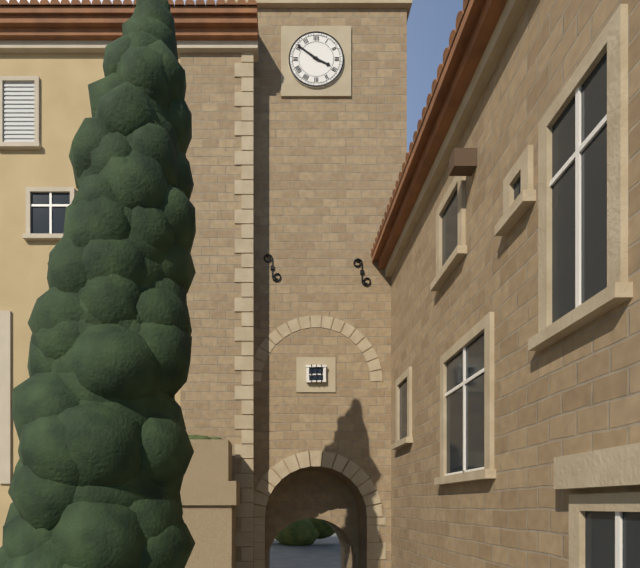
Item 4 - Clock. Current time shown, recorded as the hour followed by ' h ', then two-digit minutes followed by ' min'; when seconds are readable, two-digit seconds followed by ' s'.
3 h 51 min
